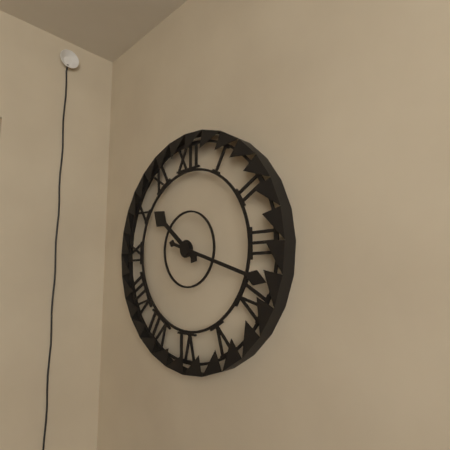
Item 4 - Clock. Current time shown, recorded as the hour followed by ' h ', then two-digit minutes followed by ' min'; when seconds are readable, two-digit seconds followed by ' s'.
10 h 18 min
